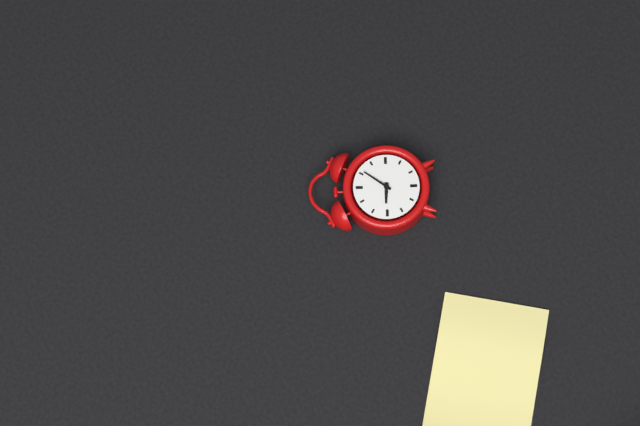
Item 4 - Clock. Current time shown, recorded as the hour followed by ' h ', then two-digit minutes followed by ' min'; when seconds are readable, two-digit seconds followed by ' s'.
9 h 06 min
